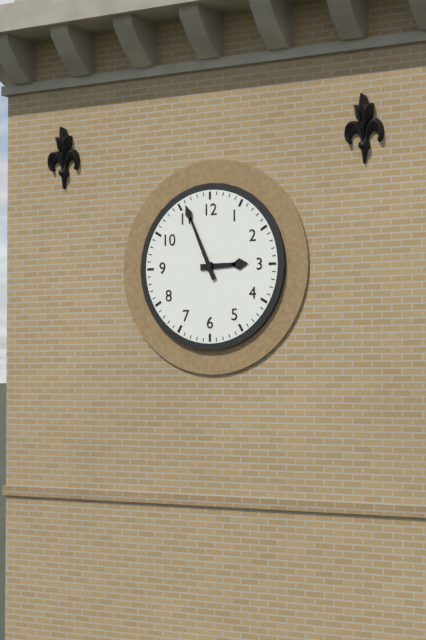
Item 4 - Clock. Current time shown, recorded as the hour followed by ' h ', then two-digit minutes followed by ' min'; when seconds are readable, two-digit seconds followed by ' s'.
2 h 56 min
